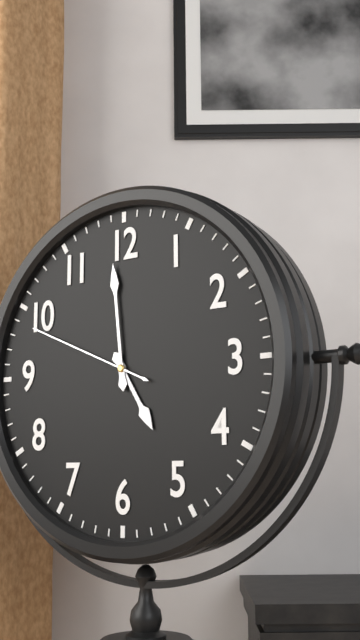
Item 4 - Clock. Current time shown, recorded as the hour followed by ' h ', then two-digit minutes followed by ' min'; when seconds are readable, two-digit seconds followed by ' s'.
4 h 59 min 49 s
